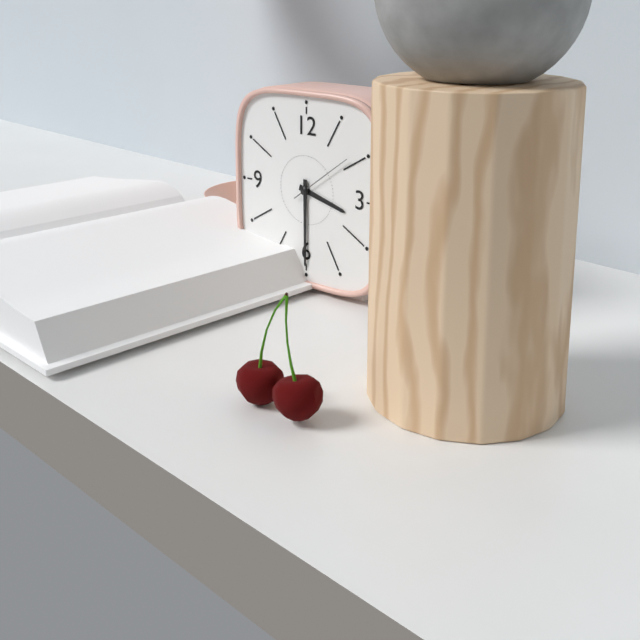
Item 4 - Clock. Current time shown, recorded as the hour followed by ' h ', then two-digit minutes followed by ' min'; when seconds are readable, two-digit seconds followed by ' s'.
3 h 30 min 09 s
